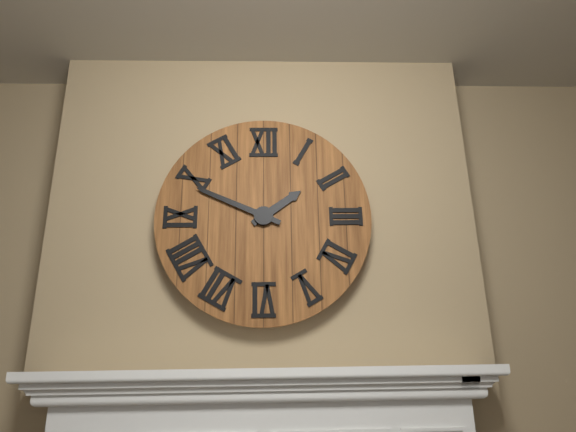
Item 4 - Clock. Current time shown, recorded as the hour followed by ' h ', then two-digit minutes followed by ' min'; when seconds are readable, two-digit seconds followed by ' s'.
1 h 49 min
